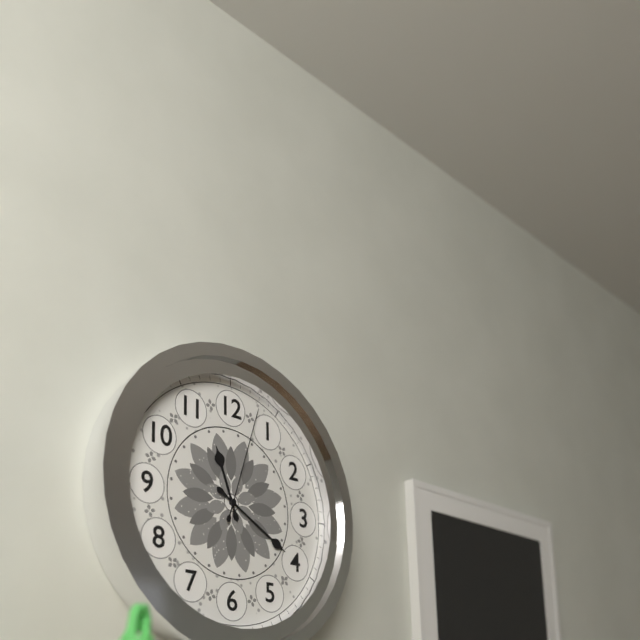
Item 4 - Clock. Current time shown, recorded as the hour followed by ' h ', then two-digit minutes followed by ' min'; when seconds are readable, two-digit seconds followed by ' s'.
11 h 20 min 03 s
